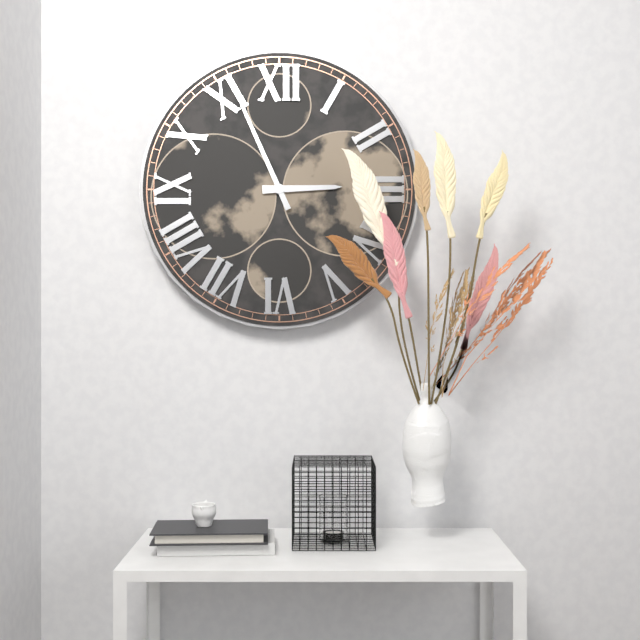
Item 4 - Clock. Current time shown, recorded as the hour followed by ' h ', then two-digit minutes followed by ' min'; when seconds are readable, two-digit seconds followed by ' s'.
2 h 56 min
